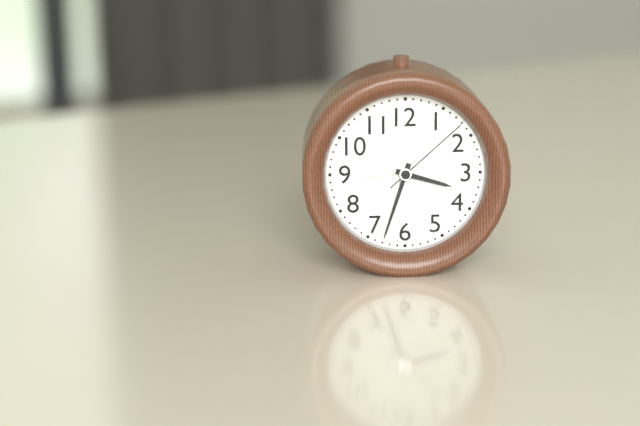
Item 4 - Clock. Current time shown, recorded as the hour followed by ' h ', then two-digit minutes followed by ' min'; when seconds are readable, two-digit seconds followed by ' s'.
3 h 33 min 08 s
